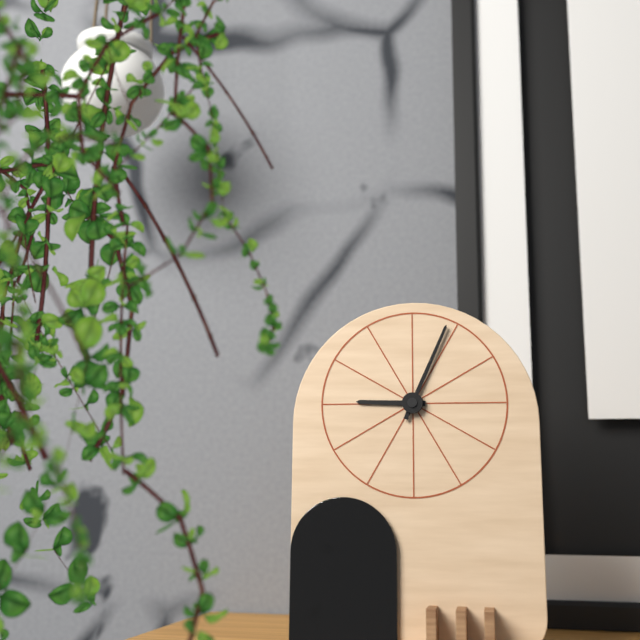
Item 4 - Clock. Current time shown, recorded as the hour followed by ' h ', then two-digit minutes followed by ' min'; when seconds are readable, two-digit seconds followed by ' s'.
9 h 04 min
